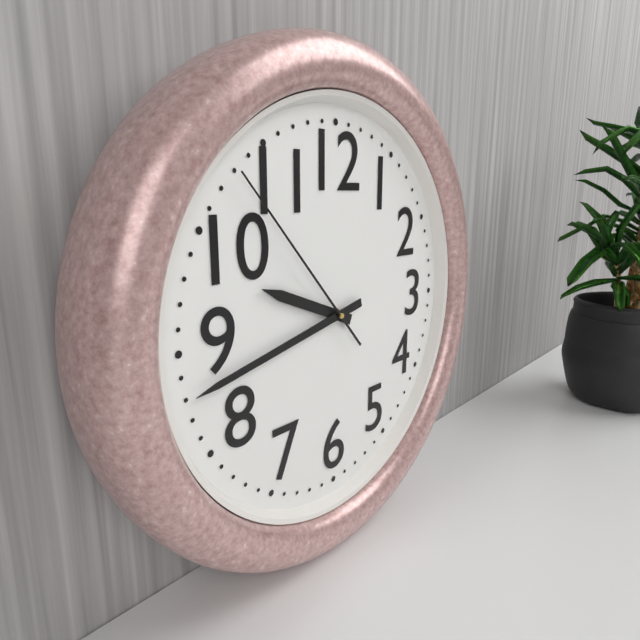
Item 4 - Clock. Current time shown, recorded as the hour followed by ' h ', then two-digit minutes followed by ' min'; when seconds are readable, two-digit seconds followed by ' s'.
9 h 43 min 53 s
